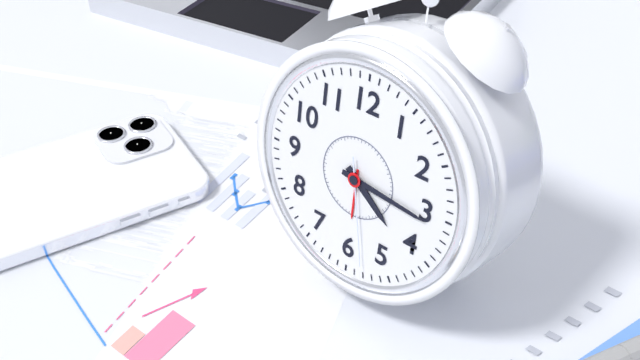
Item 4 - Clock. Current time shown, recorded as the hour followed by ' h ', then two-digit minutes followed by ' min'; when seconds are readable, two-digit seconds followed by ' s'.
4 h 16 min 28 s
